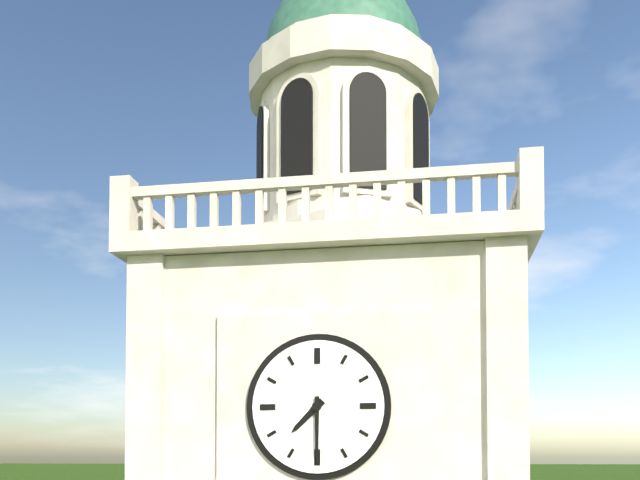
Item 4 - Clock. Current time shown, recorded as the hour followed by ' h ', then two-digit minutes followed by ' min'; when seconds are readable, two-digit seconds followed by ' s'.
7 h 30 min
